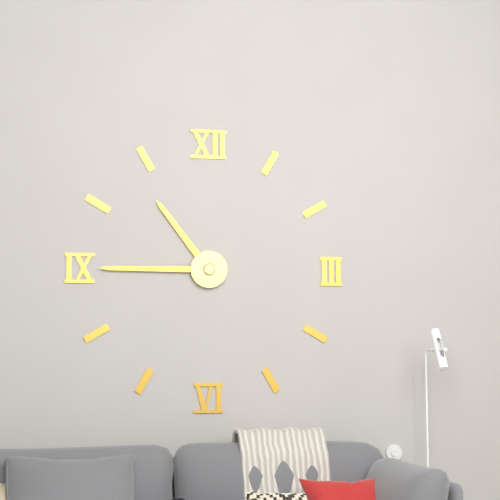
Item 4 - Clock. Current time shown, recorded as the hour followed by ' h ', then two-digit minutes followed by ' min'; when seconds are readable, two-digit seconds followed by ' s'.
10 h 45 min
